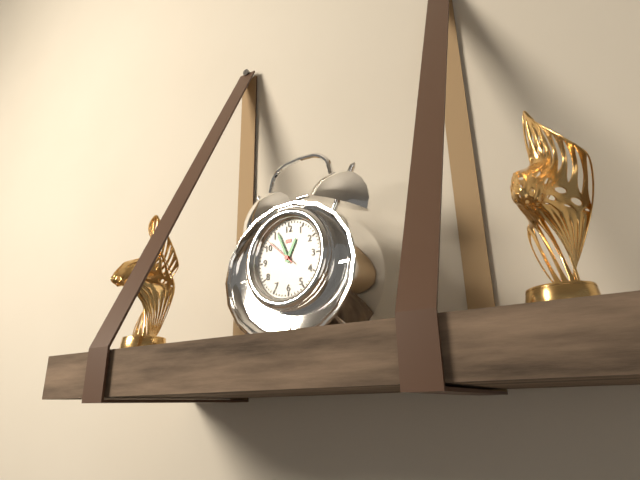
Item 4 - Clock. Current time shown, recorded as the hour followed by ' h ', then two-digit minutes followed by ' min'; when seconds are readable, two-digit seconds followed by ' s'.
12 h 56 min
